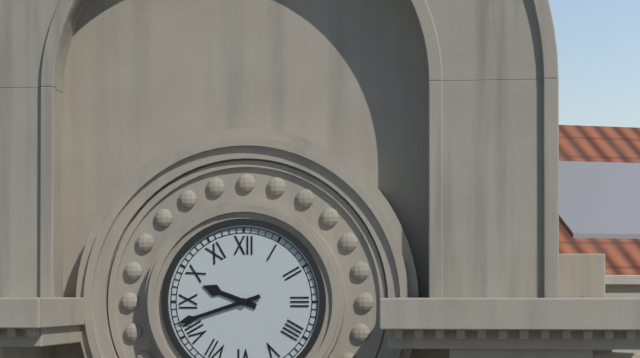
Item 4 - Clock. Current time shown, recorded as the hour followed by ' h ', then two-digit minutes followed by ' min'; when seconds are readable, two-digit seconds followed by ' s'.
9 h 42 min
